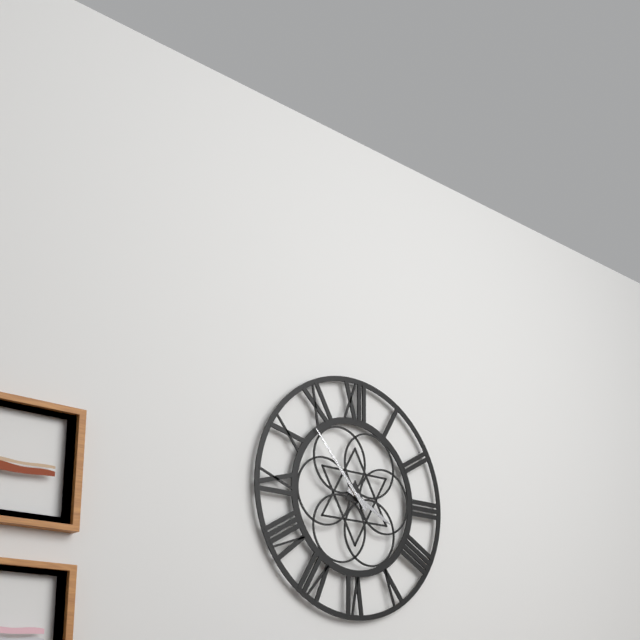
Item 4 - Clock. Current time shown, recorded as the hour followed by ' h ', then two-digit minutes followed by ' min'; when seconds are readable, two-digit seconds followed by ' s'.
3 h 53 min
